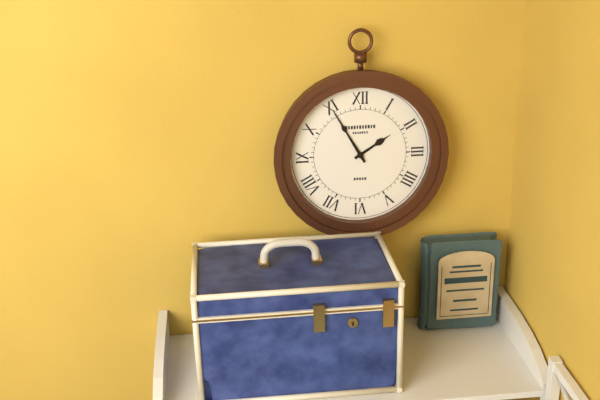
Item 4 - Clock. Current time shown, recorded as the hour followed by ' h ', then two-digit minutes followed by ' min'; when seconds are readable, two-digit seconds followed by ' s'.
1 h 55 min
